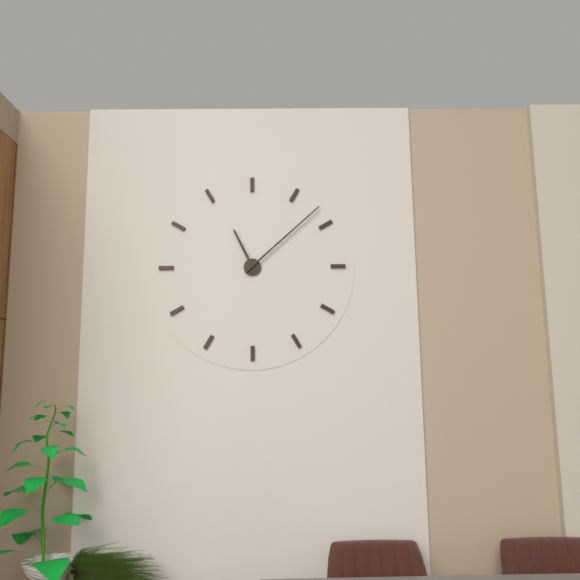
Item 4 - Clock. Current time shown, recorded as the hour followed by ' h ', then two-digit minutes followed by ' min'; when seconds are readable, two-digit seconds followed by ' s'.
11 h 08 min
